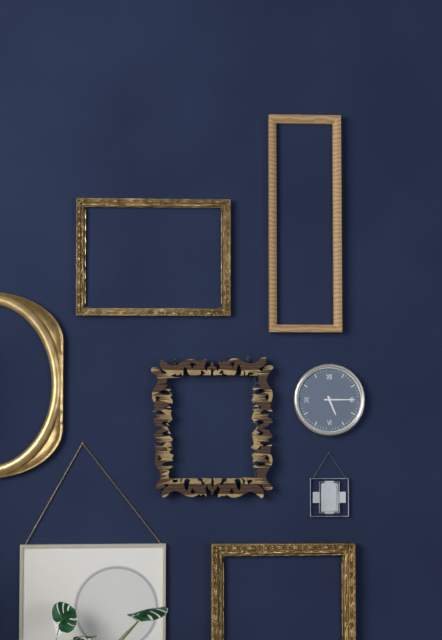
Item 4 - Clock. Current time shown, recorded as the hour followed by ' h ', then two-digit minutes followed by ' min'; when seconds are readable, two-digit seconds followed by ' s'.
5 h 15 min
